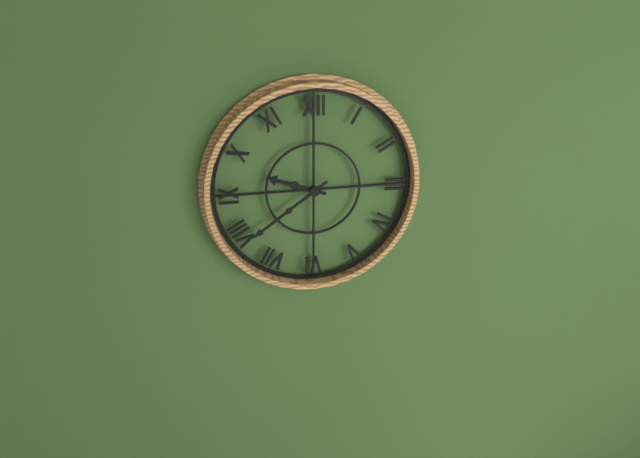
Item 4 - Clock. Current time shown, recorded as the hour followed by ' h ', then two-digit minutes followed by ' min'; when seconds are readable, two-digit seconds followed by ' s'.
9 h 39 min
